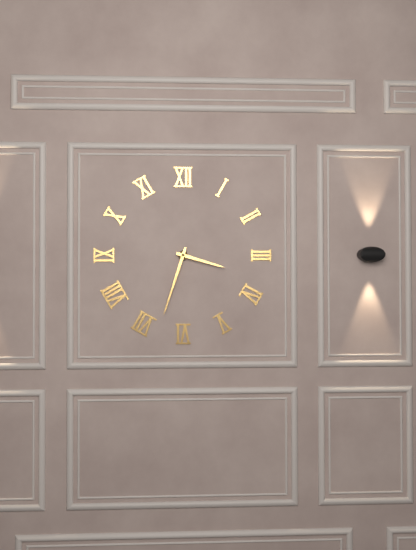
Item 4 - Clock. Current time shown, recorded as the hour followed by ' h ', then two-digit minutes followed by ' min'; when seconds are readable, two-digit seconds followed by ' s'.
3 h 33 min
